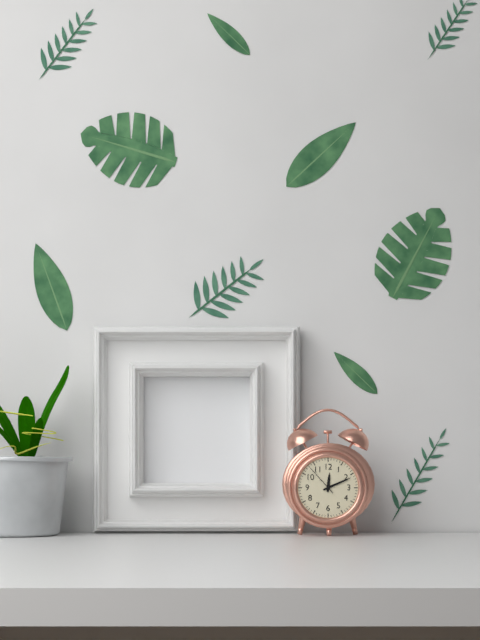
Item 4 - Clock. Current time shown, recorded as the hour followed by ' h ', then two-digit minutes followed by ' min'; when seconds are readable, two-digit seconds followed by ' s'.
12 h 11 min
